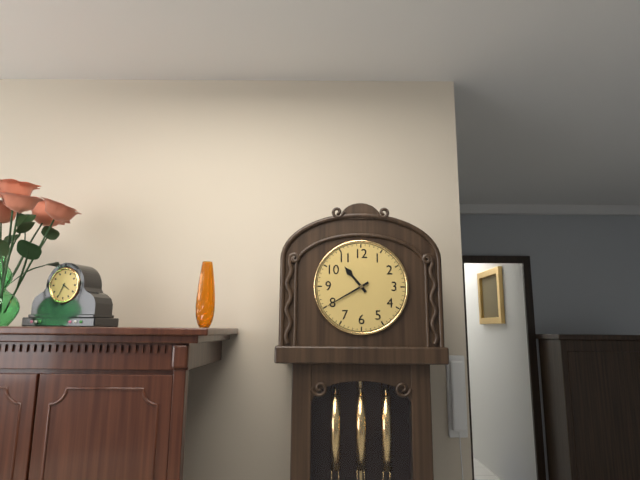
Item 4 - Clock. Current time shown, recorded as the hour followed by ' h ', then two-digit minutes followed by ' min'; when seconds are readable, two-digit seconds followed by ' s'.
10 h 40 min
